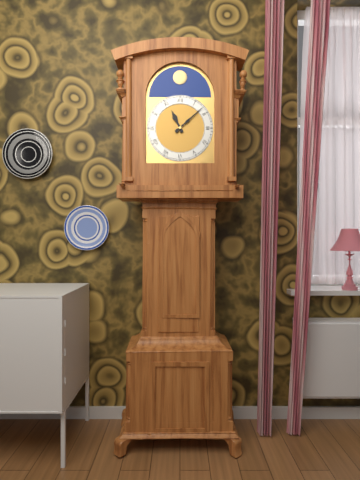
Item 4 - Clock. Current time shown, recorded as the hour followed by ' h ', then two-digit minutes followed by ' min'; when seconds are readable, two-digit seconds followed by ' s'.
11 h 08 min
